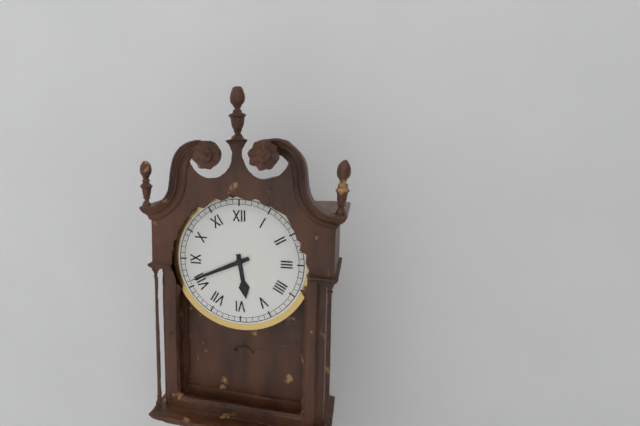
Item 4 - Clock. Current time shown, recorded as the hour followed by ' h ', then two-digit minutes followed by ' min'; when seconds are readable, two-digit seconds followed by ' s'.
5 h 41 min
